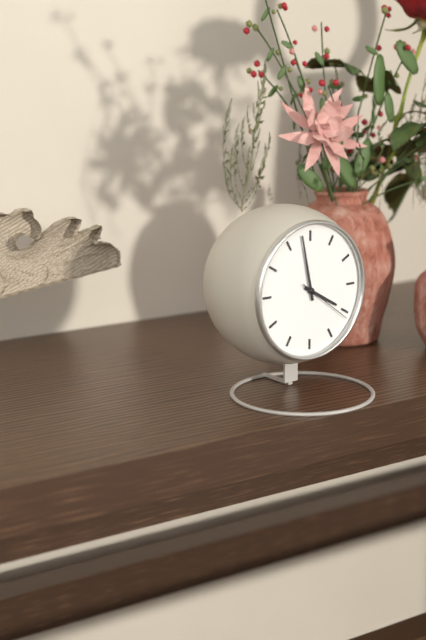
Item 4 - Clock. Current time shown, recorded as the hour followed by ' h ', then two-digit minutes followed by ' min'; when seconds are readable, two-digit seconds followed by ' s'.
3 h 58 min 21 s
